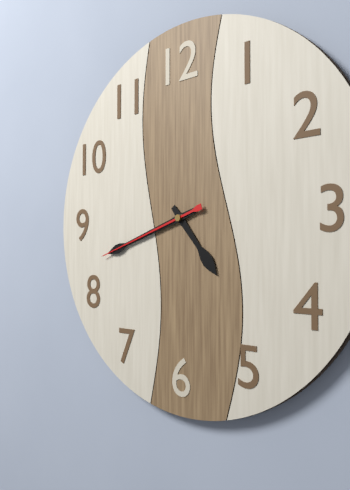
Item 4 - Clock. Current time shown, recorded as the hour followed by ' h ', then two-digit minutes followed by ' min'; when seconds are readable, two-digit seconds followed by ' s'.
4 h 42 min 42 s
